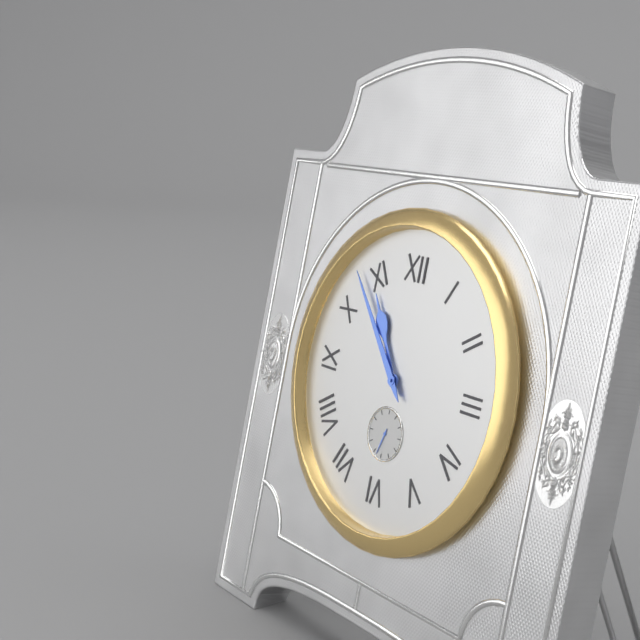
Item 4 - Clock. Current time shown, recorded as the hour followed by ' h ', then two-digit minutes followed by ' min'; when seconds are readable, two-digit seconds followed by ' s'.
10 h 53 min
